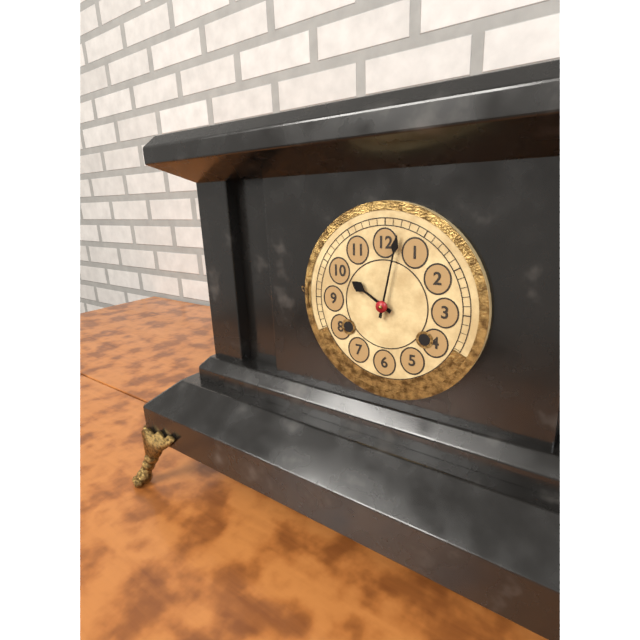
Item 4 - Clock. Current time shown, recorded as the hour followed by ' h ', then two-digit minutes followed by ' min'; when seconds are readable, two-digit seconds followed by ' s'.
10 h 02 min
